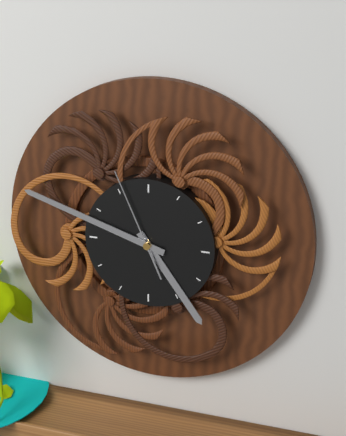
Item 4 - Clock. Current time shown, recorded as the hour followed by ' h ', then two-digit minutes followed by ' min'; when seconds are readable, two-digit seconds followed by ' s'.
4 h 48 min 56 s
